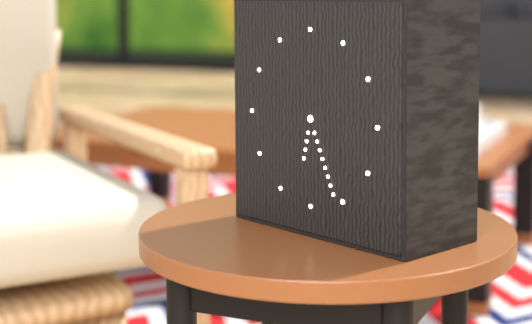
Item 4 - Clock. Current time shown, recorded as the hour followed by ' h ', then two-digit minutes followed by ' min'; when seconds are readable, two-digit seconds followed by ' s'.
6 h 26 min
